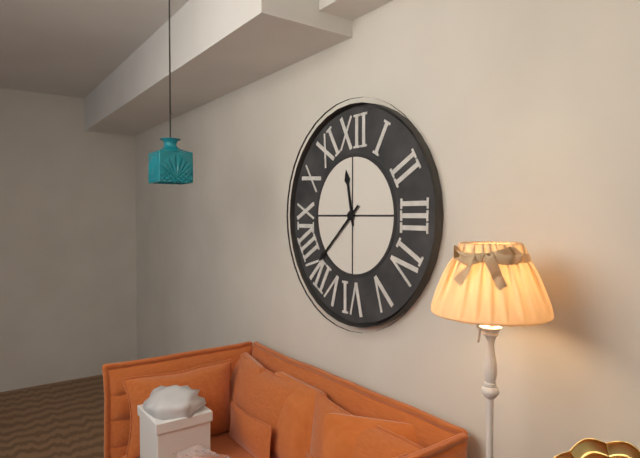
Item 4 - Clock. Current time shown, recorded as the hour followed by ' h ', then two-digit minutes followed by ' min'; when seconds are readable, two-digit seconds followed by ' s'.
11 h 38 min
